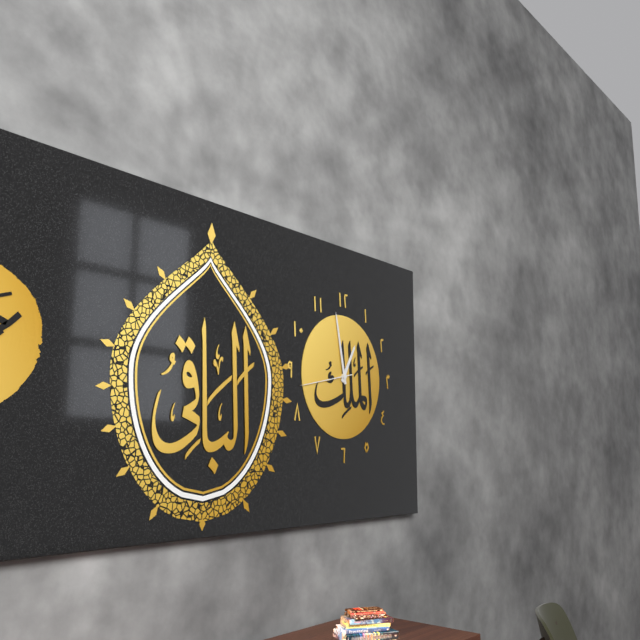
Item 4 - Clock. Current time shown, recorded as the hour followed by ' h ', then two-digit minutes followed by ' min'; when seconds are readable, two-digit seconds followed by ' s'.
12 h 58 min 43 s
